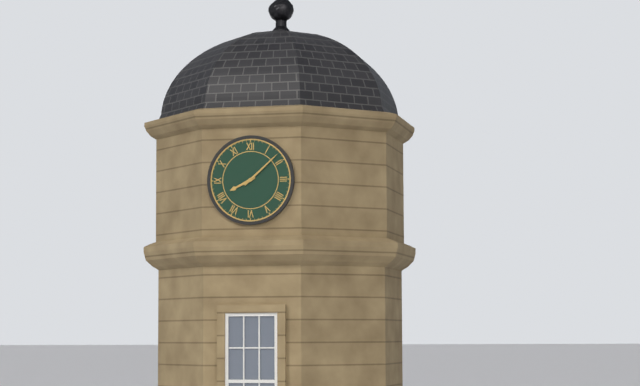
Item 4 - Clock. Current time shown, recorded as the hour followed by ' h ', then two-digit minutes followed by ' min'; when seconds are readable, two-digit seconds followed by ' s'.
8 h 08 min
